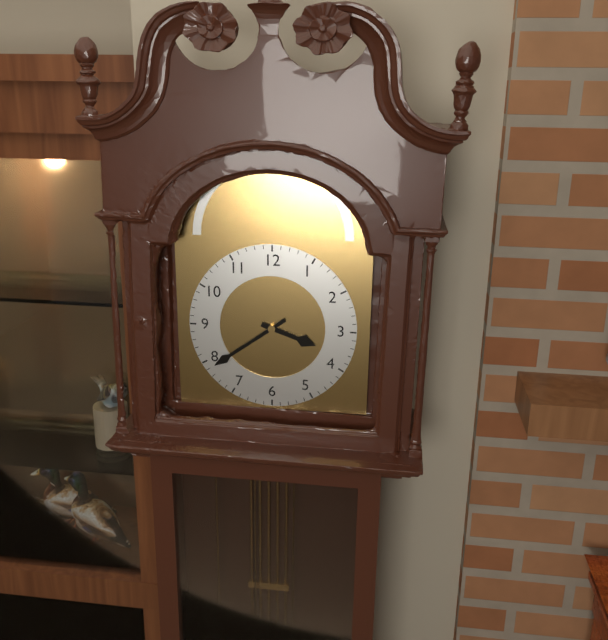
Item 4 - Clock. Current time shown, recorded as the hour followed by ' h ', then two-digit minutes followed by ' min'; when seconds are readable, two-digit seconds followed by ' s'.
3 h 39 min
